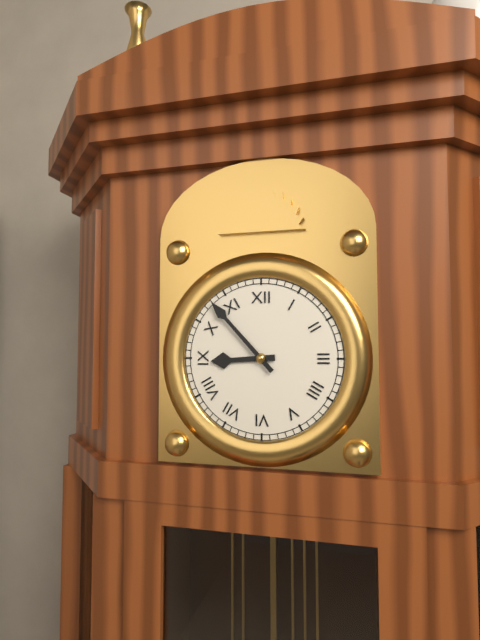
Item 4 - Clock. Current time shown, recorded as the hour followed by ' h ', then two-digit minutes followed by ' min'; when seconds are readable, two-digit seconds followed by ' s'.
8 h 53 min
